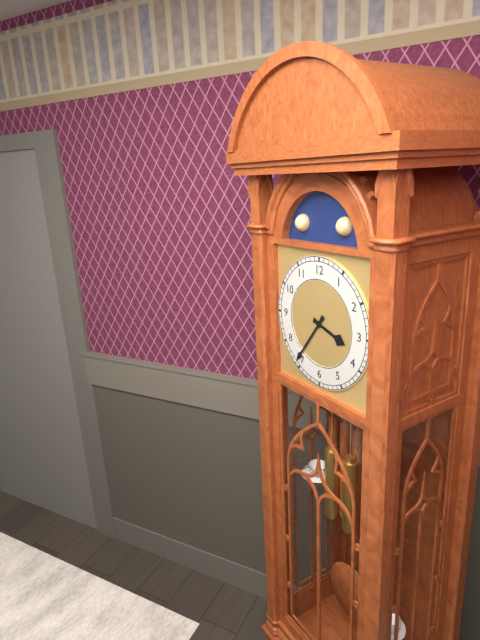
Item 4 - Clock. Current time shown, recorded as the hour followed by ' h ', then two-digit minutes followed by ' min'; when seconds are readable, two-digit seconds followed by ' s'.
3 h 36 min
